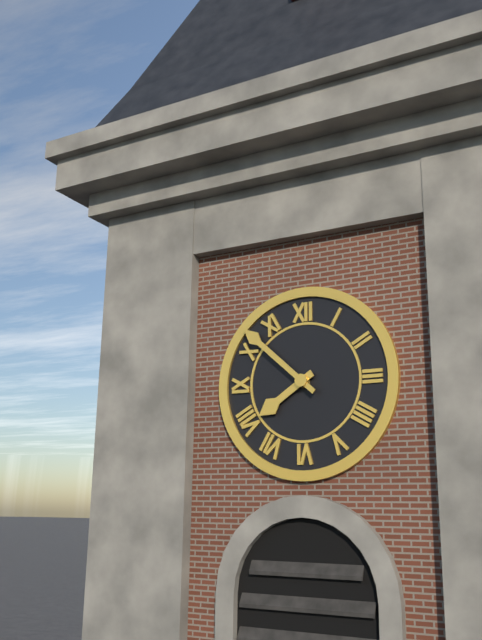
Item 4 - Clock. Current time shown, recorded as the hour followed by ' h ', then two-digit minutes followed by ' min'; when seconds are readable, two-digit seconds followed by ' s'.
7 h 52 min
